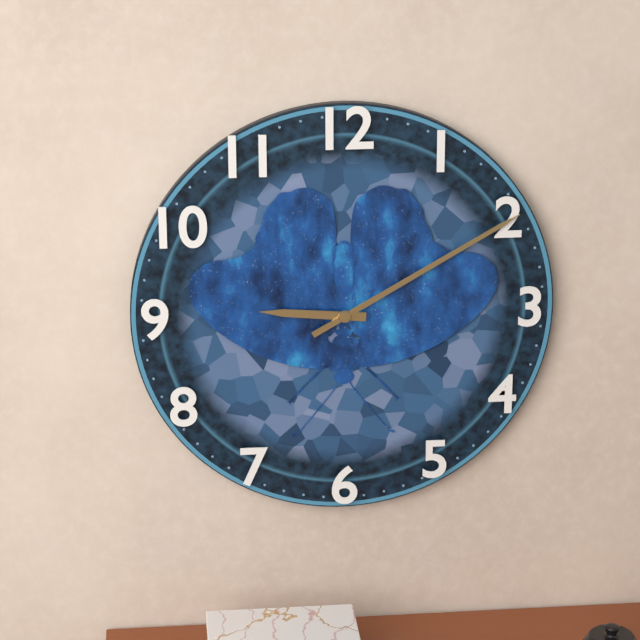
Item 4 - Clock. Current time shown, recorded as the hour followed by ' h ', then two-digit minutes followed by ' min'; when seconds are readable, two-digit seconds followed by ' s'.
9 h 10 min
